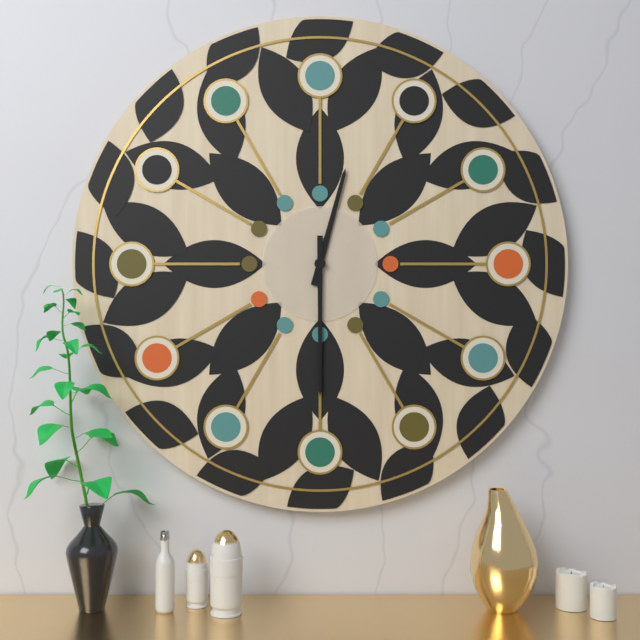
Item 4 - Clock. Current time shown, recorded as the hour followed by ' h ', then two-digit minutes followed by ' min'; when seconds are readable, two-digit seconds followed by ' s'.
12 h 30 min
